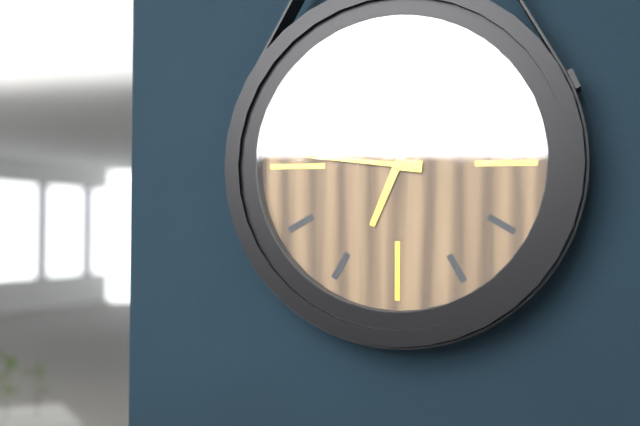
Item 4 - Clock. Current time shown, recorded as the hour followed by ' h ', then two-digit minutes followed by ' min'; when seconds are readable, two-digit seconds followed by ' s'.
6 h 46 min
